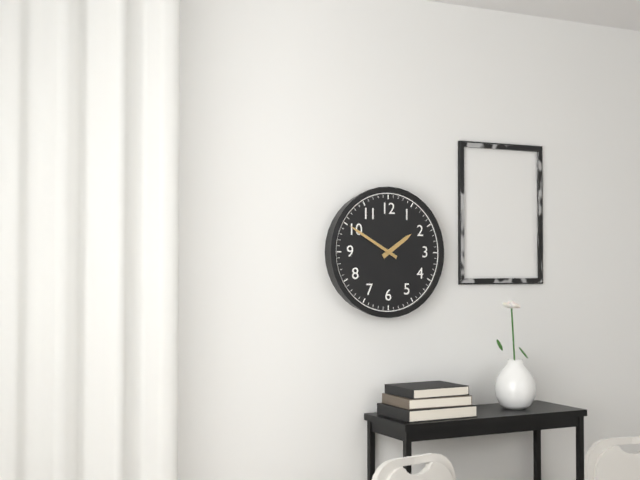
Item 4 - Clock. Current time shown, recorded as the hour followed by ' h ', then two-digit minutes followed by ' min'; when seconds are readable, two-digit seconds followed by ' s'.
1 h 50 min
